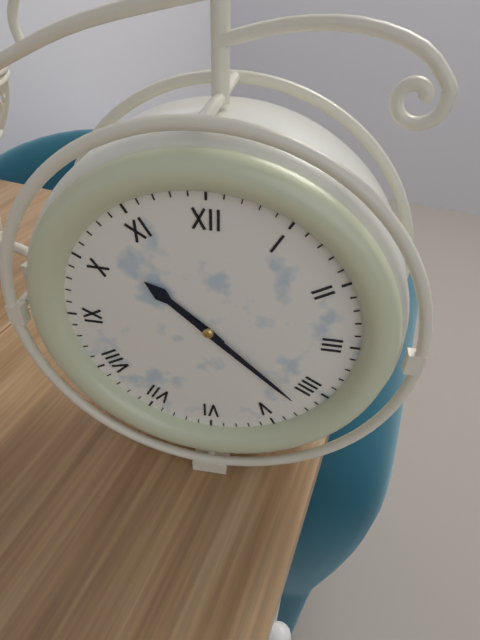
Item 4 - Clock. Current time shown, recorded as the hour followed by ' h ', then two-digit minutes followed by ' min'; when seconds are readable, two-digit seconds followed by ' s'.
10 h 22 min
